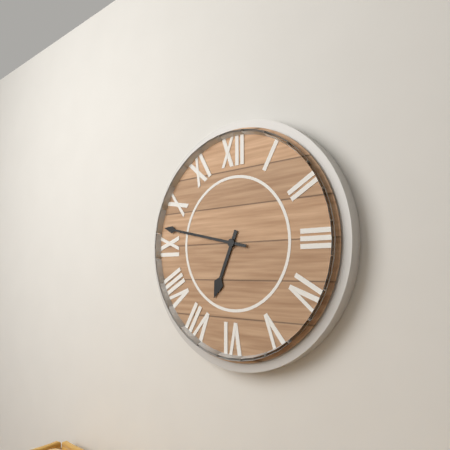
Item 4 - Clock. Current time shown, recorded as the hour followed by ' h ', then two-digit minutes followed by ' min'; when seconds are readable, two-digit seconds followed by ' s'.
6 h 47 min
